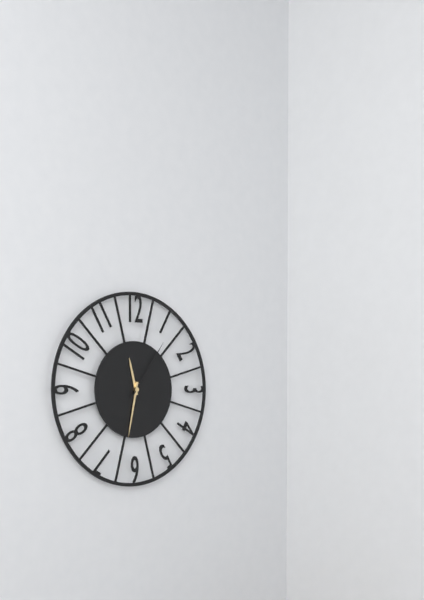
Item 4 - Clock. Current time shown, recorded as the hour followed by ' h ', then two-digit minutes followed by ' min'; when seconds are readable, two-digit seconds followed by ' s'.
11 h 32 min 06 s
